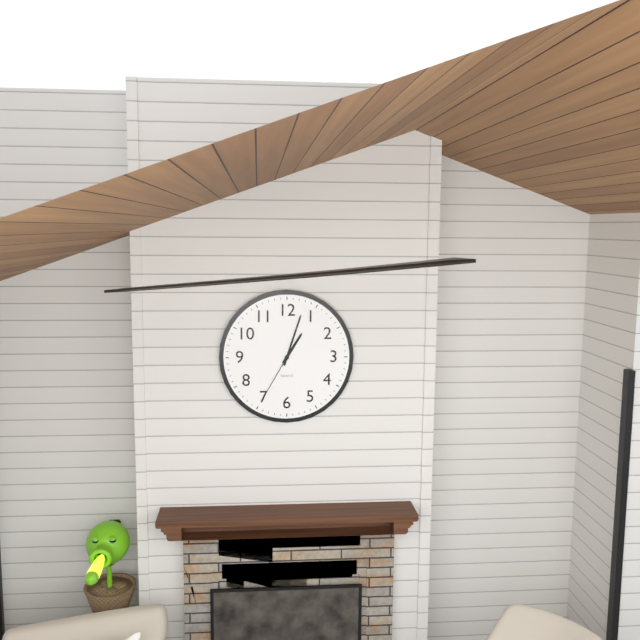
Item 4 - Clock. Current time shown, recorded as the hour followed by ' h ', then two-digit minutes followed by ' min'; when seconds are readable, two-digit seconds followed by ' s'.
1 h 03 min 35 s
